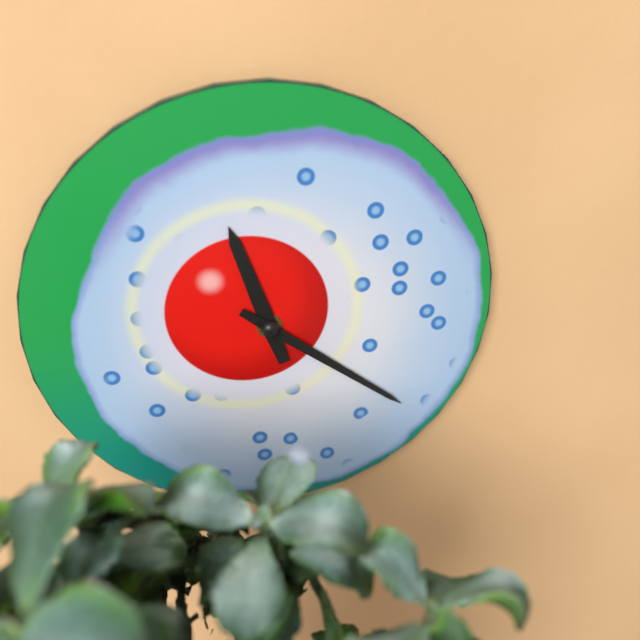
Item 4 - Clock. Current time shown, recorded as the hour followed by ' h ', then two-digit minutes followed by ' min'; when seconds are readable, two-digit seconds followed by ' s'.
11 h 21 min
